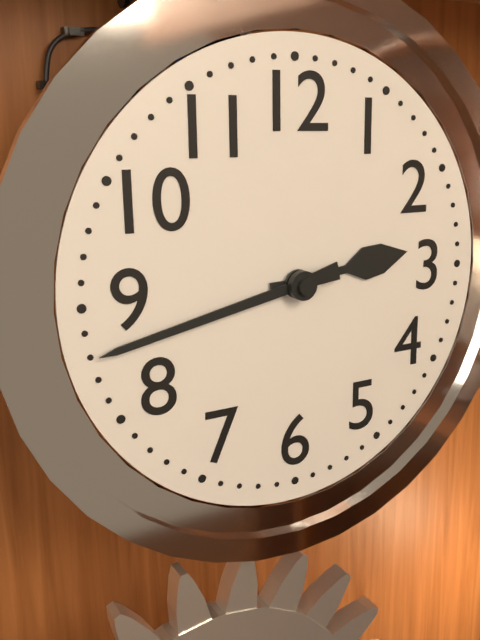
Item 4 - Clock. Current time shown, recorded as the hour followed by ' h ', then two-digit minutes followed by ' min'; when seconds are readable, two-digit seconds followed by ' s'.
2 h 43 min
